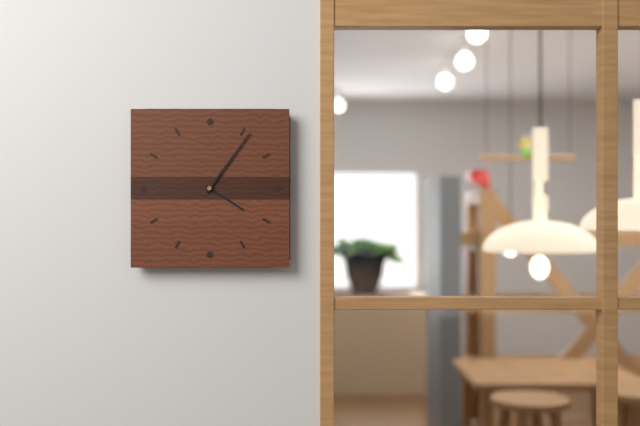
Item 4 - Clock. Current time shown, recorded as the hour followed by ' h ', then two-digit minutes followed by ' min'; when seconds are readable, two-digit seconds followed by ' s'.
4 h 06 min
